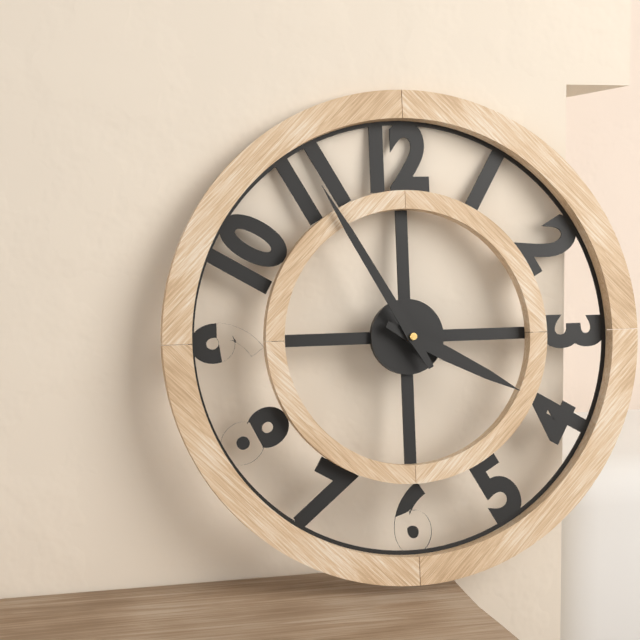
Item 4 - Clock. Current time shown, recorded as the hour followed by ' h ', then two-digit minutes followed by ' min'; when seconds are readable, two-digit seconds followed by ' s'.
3 h 55 min
